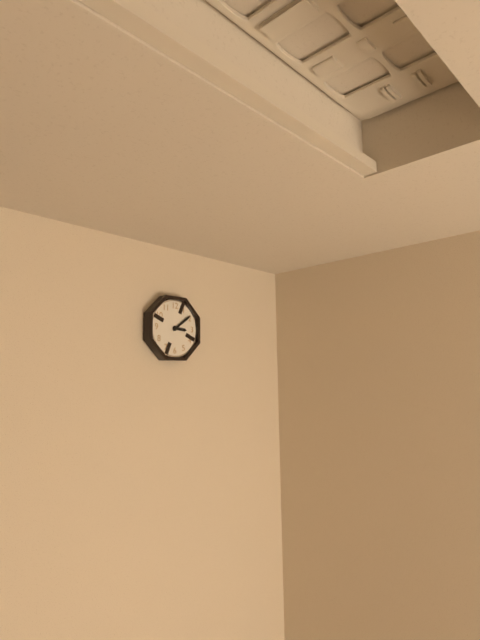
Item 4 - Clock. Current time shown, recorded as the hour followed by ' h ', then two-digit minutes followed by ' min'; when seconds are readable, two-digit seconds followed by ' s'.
3 h 09 min
